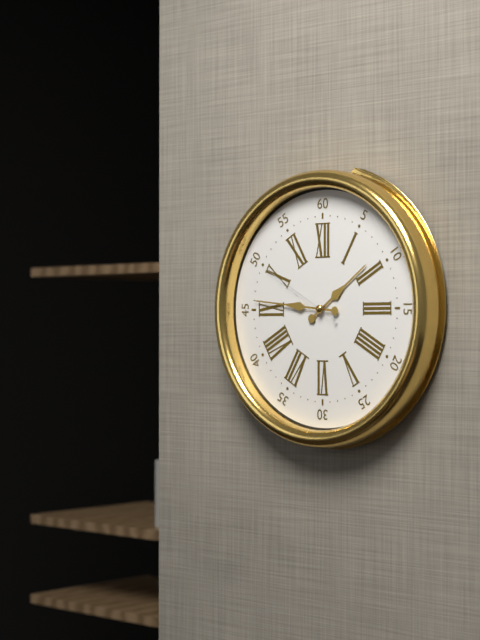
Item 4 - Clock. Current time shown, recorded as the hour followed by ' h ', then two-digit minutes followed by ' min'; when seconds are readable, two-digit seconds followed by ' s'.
1 h 46 min 50 s
